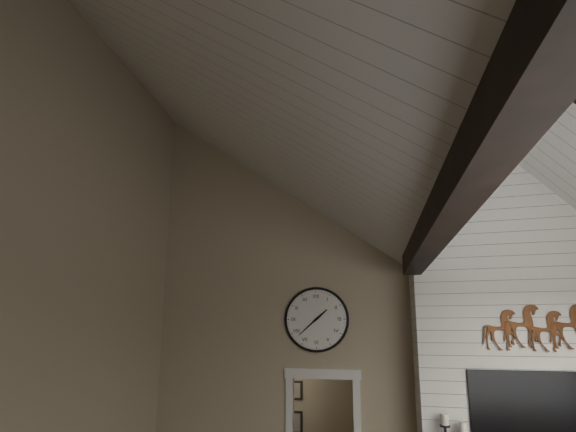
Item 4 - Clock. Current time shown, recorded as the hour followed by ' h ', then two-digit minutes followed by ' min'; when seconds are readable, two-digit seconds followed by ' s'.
1 h 38 min
